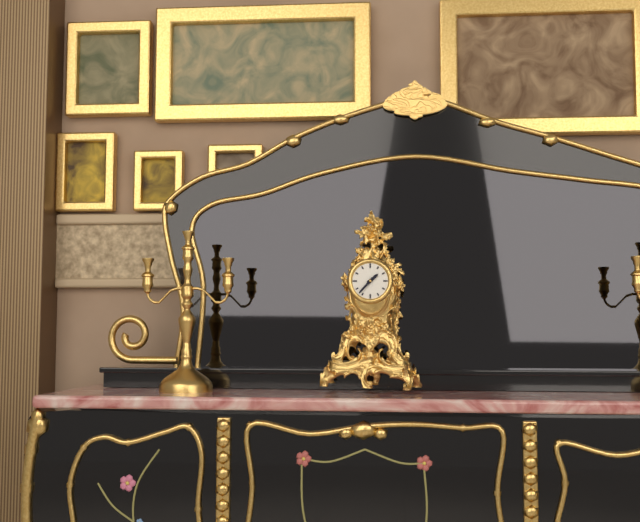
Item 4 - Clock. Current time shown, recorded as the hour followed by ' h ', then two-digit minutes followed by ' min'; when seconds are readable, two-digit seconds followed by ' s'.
1 h 37 min
